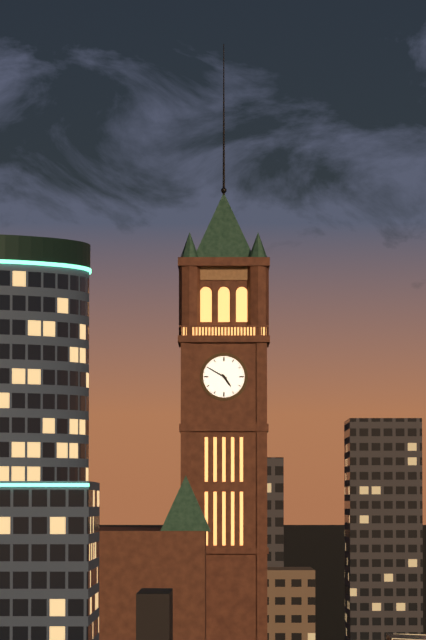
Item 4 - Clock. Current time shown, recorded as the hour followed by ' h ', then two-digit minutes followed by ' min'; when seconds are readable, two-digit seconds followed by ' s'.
4 h 50 min
